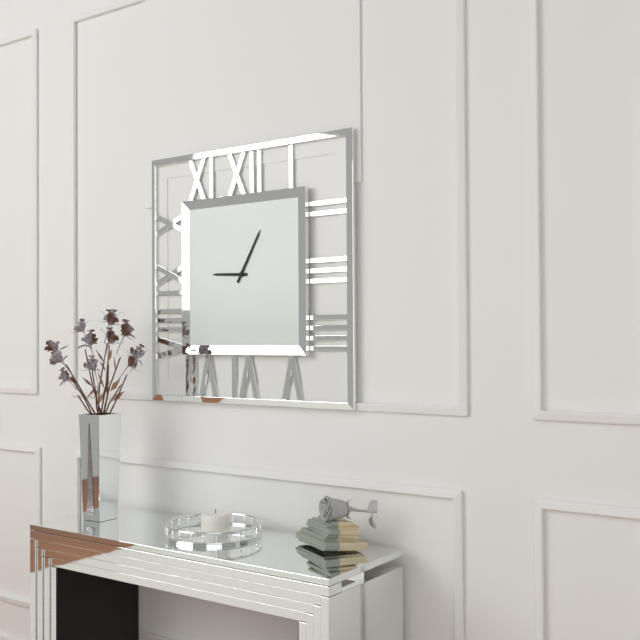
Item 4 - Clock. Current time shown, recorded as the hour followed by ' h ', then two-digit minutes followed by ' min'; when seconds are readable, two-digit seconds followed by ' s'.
9 h 05 min
